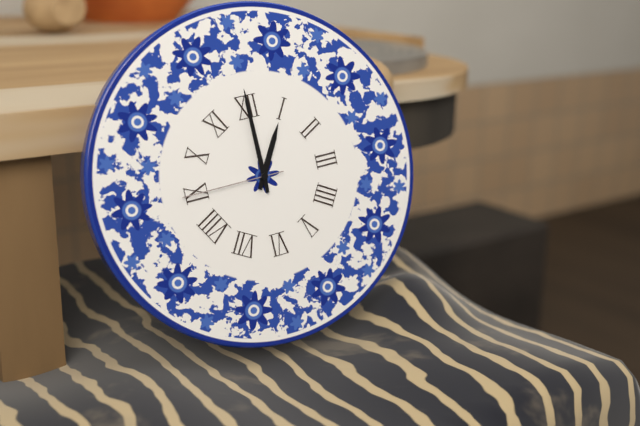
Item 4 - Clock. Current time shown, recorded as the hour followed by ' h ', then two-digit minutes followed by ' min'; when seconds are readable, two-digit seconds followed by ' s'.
1 h 00 min 45 s
